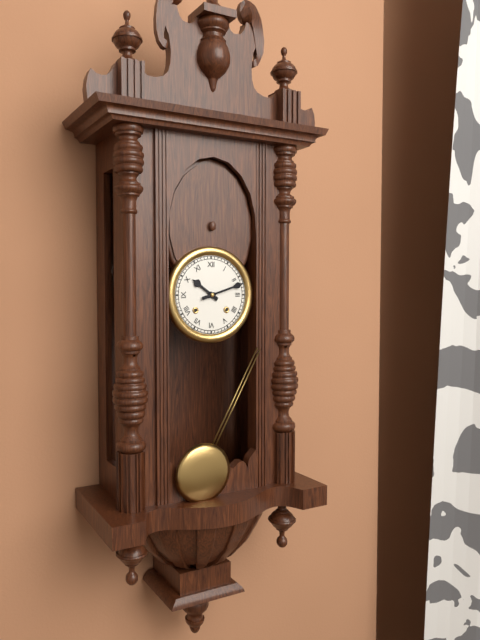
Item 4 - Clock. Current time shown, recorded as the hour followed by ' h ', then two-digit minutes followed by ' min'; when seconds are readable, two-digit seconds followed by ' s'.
10 h 12 min
